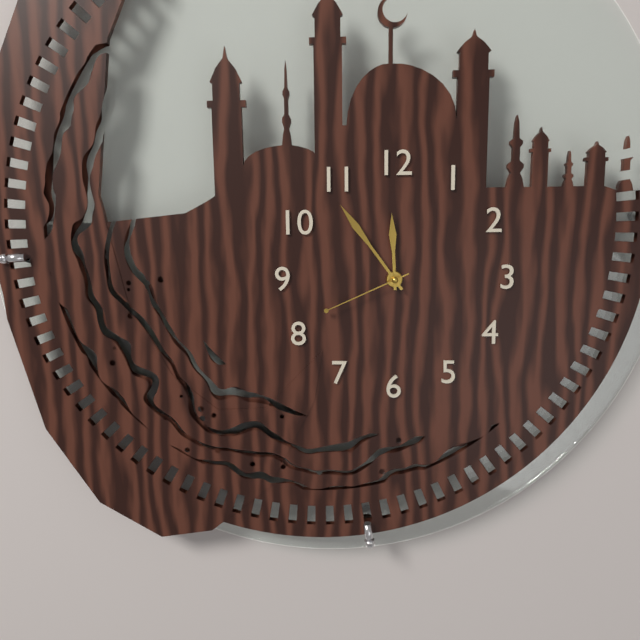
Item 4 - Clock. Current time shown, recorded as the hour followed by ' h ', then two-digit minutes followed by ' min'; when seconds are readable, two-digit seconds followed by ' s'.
11 h 54 min 41 s
